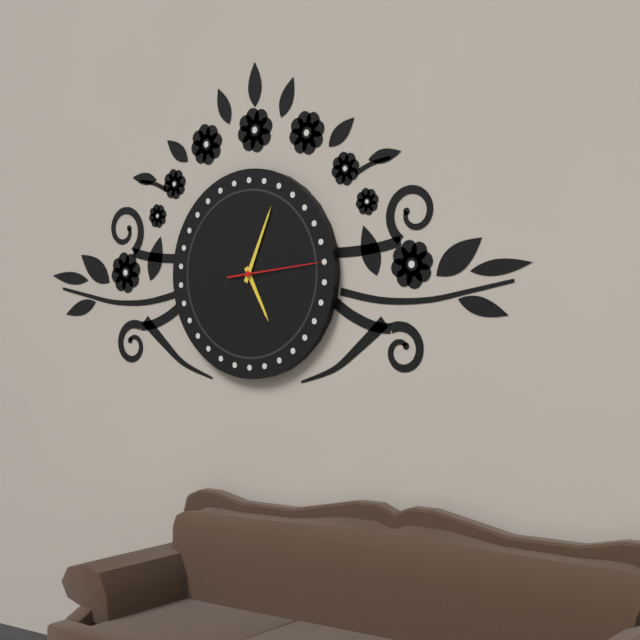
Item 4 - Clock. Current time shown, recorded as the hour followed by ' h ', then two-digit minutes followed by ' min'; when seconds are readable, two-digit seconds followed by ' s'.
5 h 04 min 14 s
